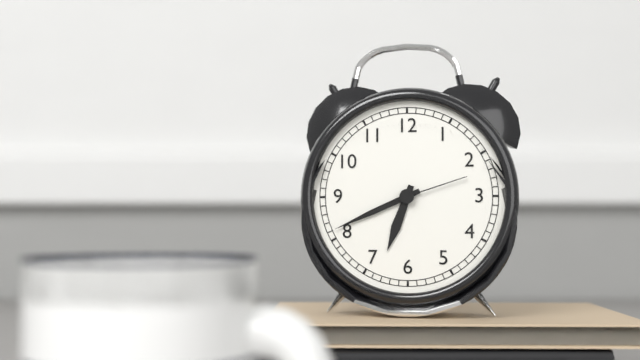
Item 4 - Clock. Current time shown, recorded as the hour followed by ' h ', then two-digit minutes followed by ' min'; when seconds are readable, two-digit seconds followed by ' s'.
6 h 41 min 12 s
